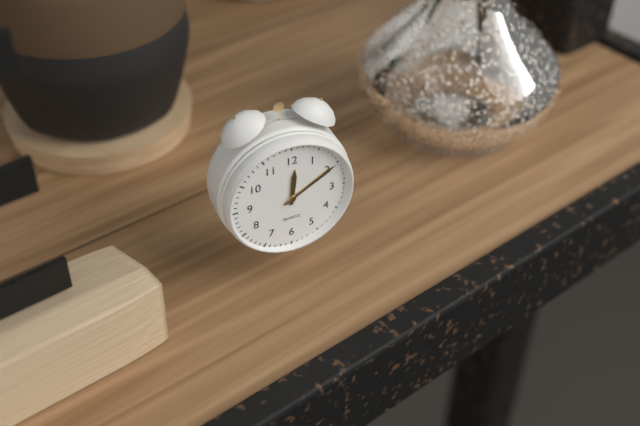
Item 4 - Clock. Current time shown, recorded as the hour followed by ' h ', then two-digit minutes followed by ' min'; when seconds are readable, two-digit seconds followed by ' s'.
12 h 10 min
